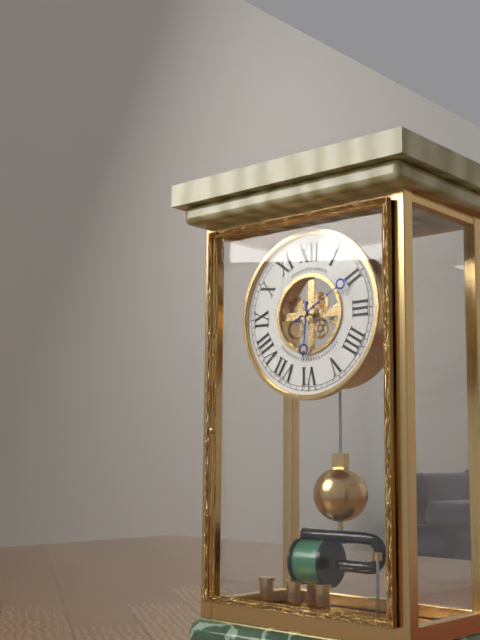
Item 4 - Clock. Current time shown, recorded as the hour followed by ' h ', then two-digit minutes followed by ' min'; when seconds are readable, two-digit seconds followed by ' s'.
6 h 10 min
